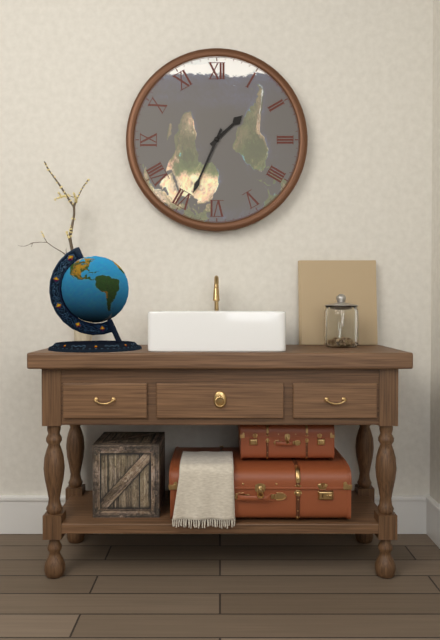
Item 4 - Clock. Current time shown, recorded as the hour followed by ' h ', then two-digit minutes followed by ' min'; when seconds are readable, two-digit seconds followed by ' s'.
1 h 34 min
